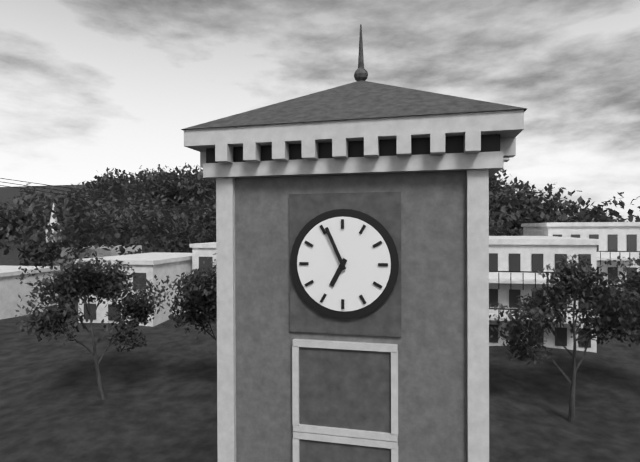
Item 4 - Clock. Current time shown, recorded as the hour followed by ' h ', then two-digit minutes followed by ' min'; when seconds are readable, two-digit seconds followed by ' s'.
6 h 56 min
